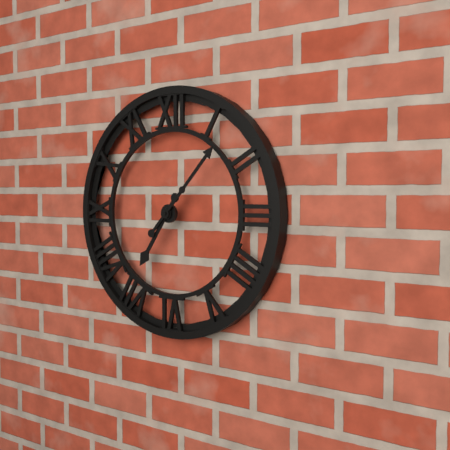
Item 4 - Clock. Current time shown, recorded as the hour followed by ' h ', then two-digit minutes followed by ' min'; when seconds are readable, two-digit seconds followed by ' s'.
7 h 07 min
